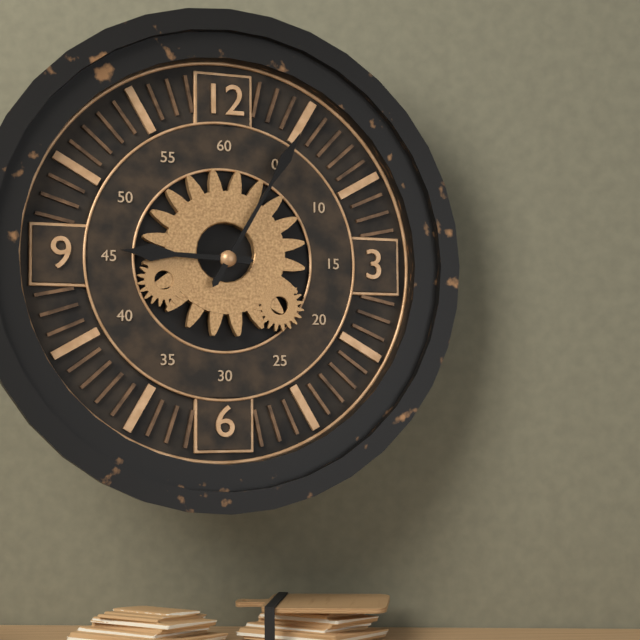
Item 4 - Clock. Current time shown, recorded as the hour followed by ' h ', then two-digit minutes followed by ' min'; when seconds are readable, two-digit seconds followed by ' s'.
9 h 05 min
